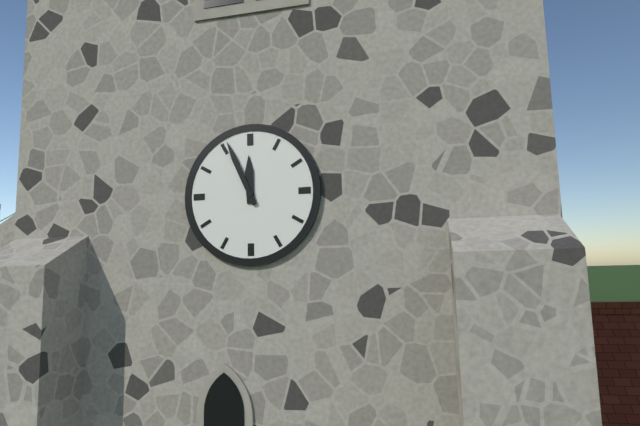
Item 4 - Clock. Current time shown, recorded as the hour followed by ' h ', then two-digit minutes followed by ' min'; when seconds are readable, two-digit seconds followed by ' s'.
11 h 56 min
